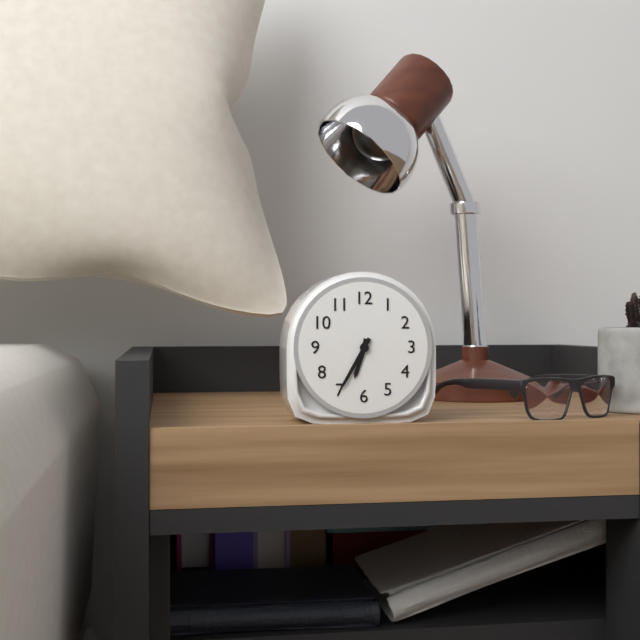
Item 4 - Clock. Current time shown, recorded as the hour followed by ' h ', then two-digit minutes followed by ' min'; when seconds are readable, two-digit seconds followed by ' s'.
6 h 35 min
